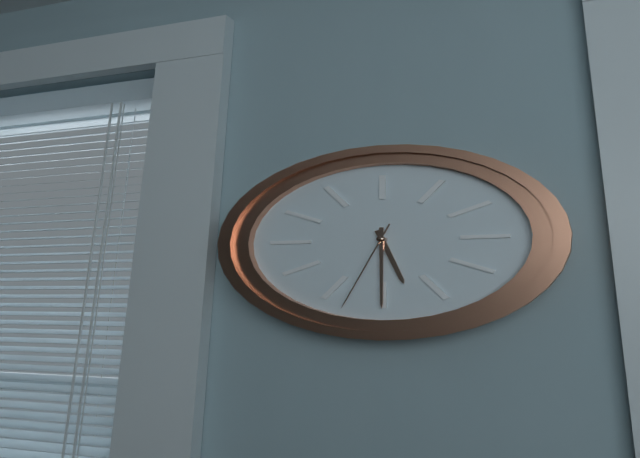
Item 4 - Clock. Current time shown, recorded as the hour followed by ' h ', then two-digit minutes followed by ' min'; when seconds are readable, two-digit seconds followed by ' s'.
5 h 30 min 33 s
